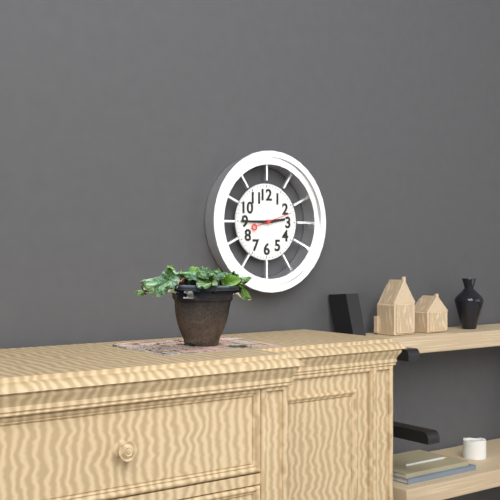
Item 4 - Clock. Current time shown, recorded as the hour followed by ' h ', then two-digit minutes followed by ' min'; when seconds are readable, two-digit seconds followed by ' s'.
2 h 45 min
